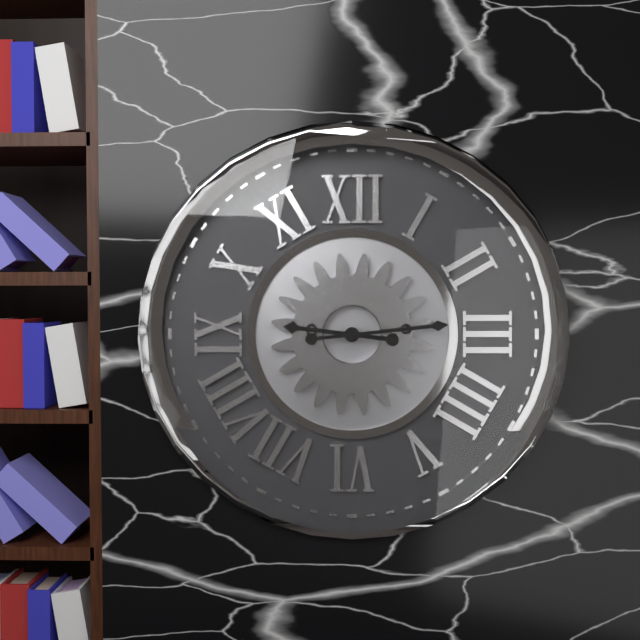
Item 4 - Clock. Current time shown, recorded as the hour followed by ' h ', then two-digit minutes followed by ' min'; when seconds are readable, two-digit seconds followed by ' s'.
9 h 14 min
